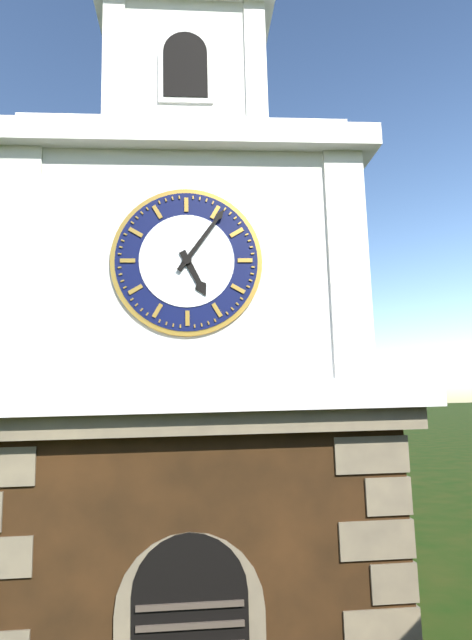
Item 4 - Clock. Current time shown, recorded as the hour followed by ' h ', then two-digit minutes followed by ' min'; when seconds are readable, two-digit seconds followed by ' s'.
5 h 06 min
